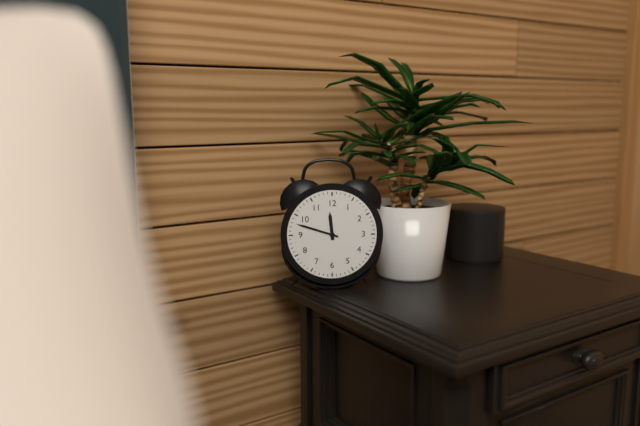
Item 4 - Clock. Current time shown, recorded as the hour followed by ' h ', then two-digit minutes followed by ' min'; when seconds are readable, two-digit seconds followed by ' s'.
11 h 48 min
